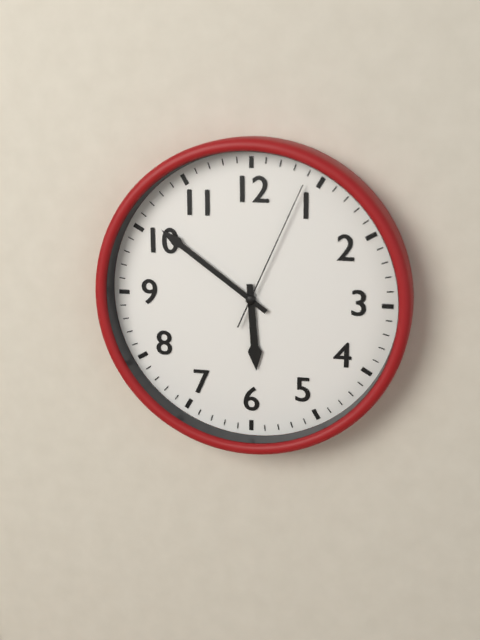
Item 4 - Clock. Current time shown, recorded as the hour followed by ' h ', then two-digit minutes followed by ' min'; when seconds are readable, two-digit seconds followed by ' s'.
5 h 51 min 04 s
